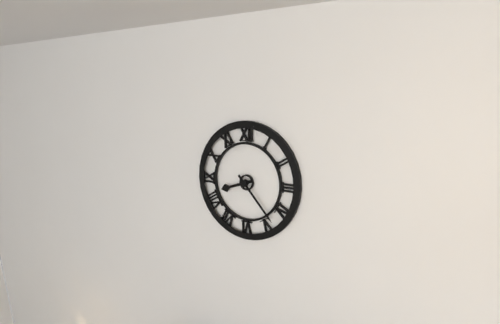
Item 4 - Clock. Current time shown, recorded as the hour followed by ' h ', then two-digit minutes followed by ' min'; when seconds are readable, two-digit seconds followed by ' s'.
8 h 23 min
